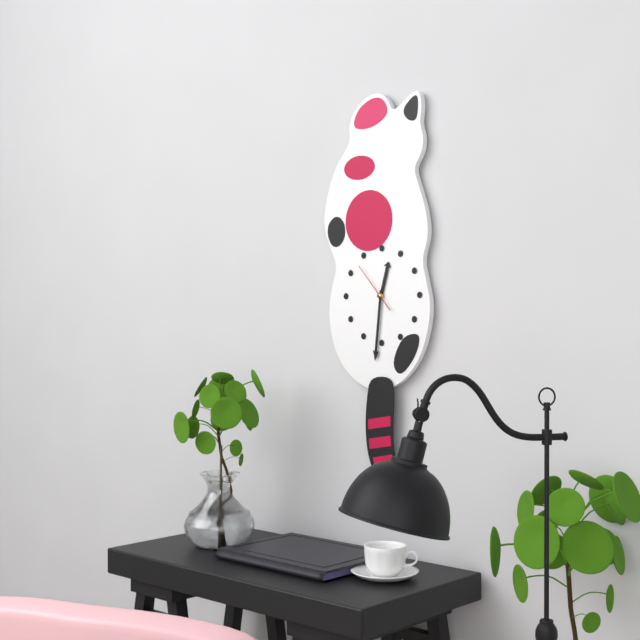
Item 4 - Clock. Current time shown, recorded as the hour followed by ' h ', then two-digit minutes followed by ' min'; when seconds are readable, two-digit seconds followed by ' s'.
12 h 31 min 53 s
